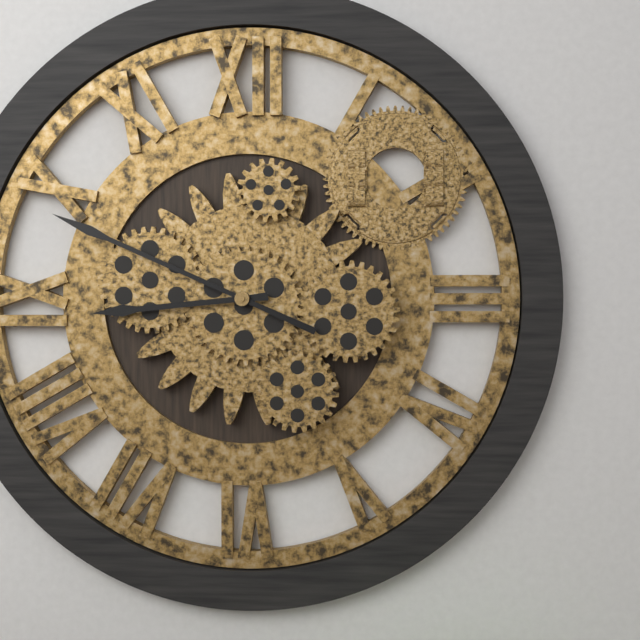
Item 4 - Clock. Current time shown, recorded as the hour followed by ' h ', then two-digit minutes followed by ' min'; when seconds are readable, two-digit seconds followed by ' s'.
8 h 49 min
